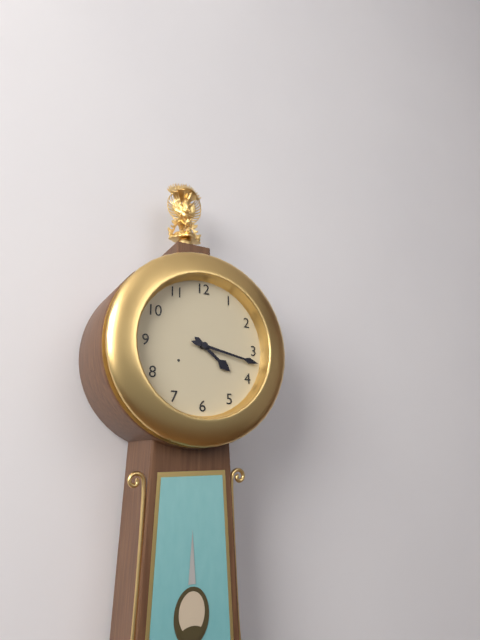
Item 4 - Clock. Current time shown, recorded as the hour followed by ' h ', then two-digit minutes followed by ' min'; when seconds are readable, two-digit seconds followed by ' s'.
4 h 17 min
